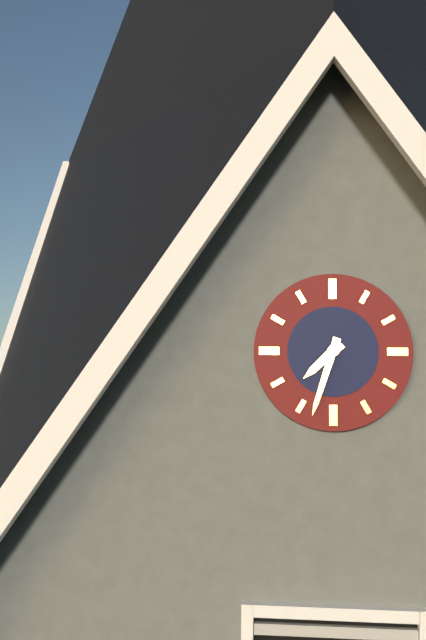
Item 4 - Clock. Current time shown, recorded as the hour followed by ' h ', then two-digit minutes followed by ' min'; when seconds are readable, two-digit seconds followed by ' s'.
7 h 33 min
